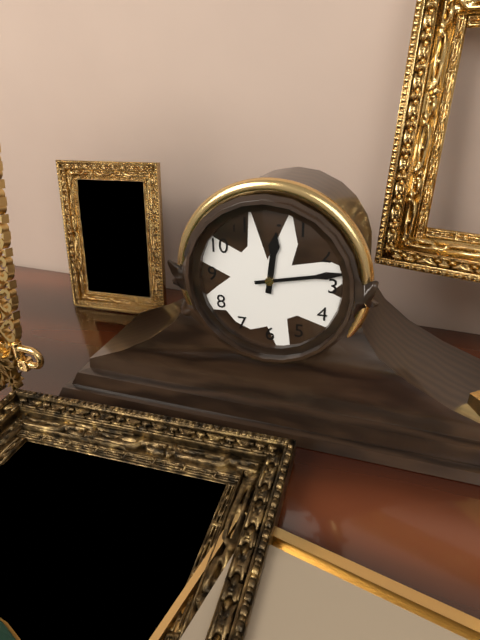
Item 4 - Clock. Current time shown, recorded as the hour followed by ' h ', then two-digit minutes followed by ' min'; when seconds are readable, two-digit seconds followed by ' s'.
12 h 13 min
